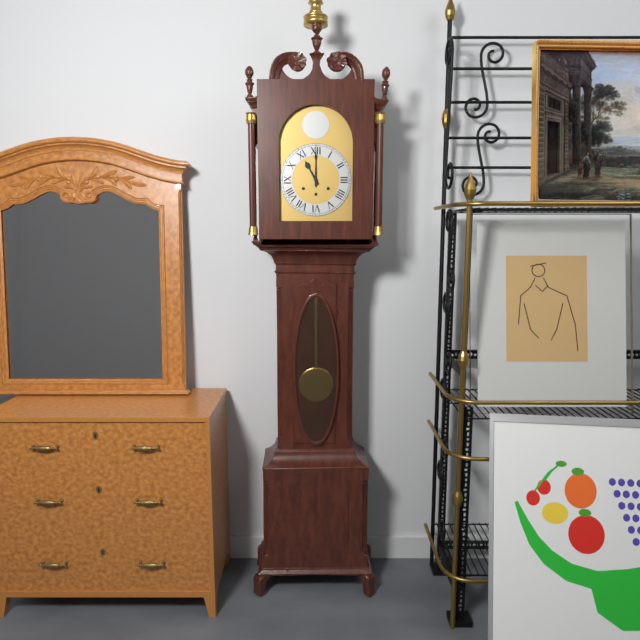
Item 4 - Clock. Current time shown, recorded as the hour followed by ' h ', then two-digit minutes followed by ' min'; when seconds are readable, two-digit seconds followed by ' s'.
11 h 00 min
